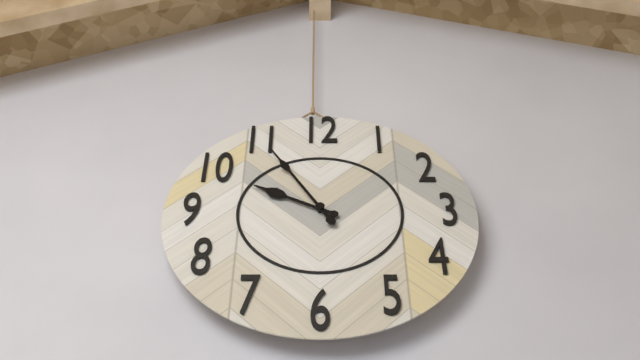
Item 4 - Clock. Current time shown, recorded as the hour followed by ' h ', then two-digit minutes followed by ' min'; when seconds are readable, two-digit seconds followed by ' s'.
9 h 55 min
